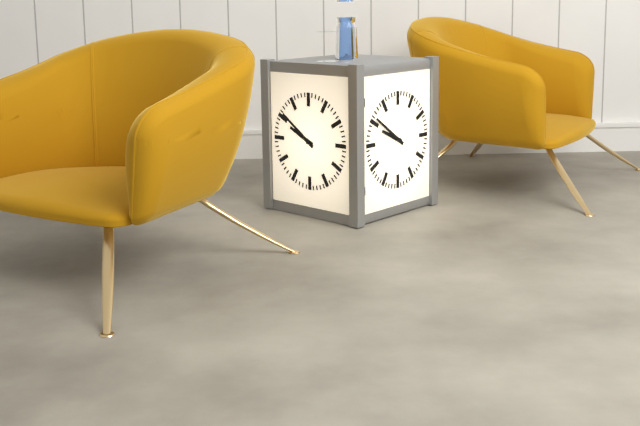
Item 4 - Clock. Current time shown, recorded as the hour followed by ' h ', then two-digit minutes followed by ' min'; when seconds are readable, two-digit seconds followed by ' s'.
9 h 51 min
